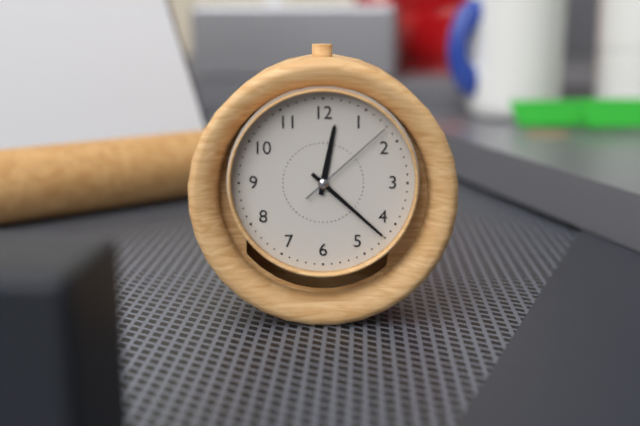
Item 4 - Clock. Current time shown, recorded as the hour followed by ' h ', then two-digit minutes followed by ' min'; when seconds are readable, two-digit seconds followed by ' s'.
12 h 22 min 08 s
